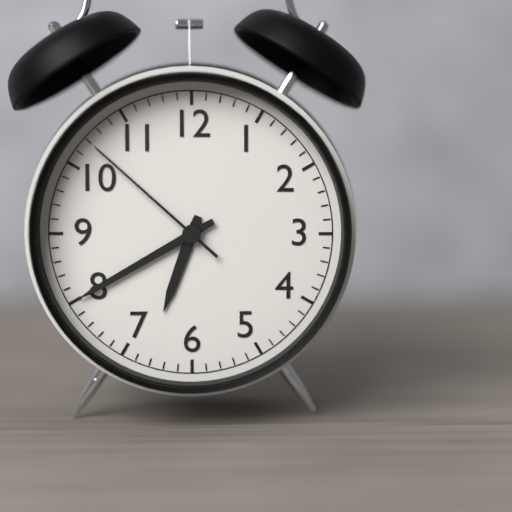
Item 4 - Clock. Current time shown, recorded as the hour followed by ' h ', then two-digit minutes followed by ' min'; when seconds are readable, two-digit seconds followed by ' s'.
6 h 40 min 52 s
